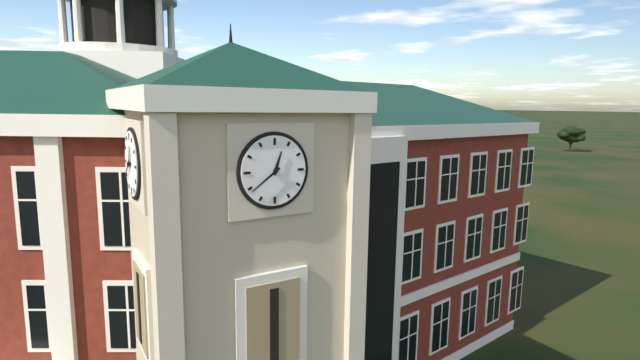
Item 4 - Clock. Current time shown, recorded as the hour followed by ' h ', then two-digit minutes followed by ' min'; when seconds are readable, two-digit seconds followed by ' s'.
12 h 39 min
